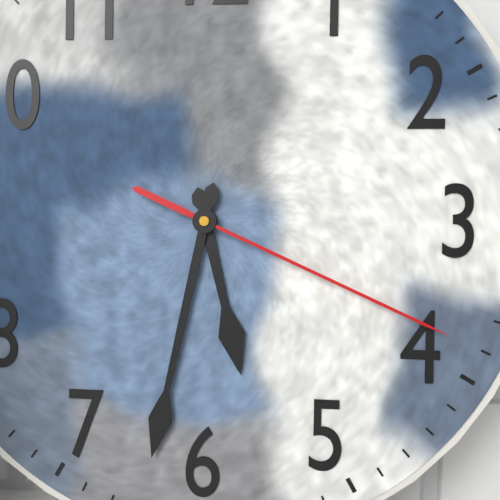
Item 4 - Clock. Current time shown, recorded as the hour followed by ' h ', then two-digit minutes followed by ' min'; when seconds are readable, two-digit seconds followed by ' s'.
5 h 32 min 19 s
